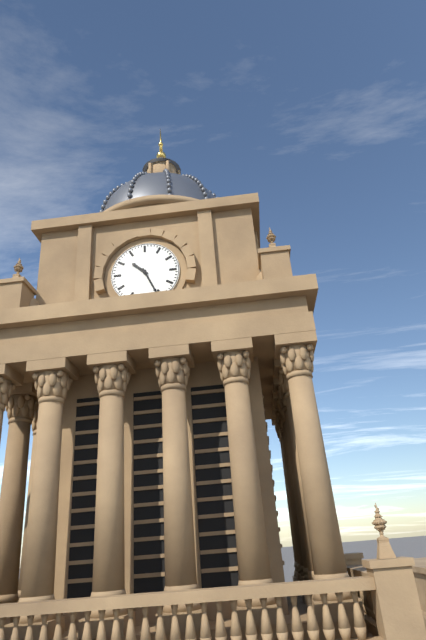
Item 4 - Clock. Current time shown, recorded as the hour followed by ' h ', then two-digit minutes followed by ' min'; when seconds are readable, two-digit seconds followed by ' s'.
10 h 26 min
